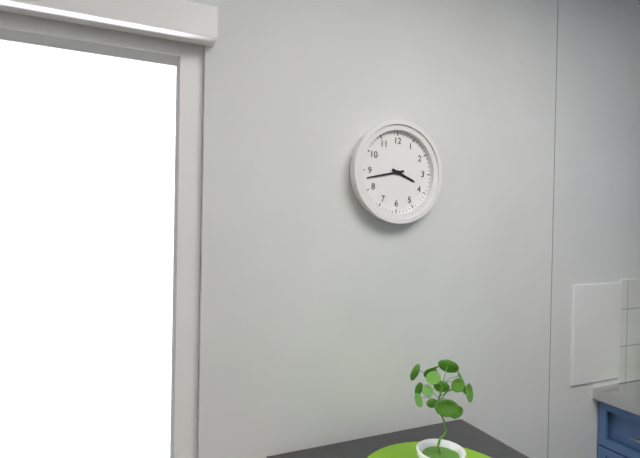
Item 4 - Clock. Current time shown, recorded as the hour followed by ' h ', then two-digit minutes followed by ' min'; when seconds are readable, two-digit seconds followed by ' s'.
3 h 43 min
